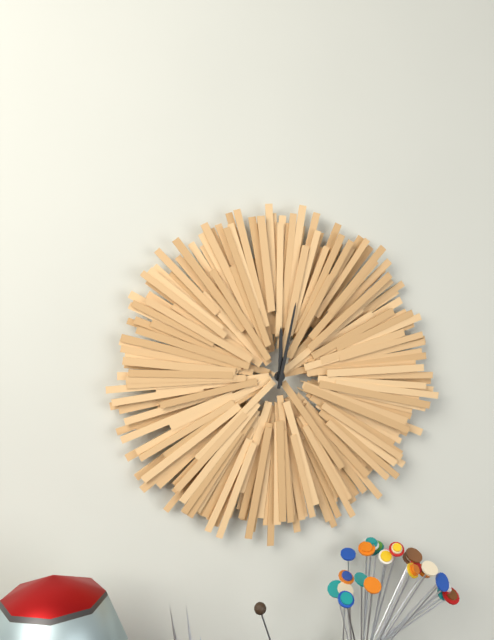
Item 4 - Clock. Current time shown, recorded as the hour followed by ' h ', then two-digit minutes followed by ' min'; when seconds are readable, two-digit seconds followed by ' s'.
12 h 02 min
